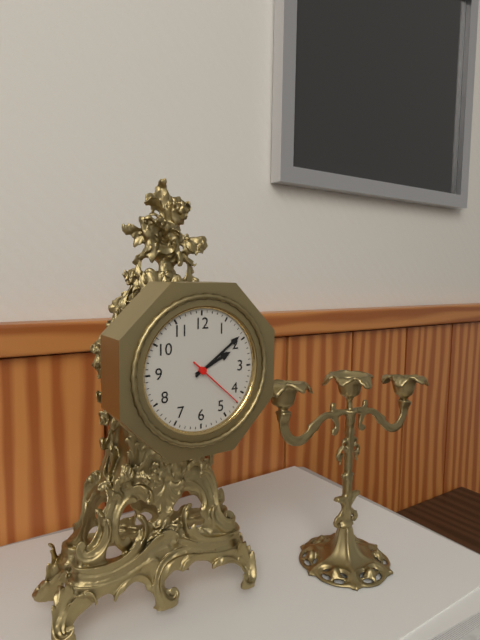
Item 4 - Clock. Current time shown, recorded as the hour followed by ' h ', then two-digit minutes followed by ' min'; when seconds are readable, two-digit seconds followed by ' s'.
2 h 09 min 22 s
